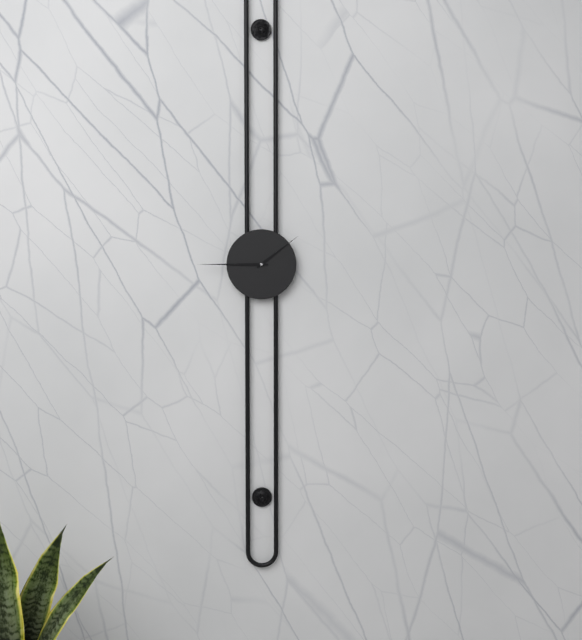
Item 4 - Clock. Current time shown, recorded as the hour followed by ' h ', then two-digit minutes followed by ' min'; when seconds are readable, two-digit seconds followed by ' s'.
1 h 45 min
